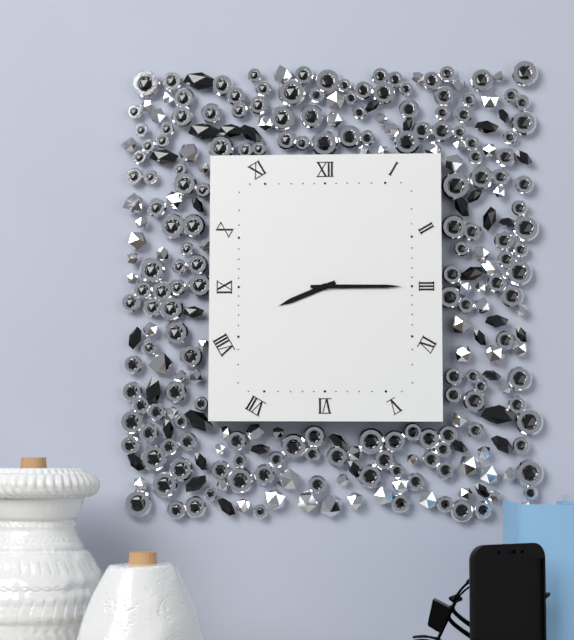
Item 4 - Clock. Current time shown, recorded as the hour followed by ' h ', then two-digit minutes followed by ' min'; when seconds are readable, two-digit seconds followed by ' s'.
8 h 15 min
